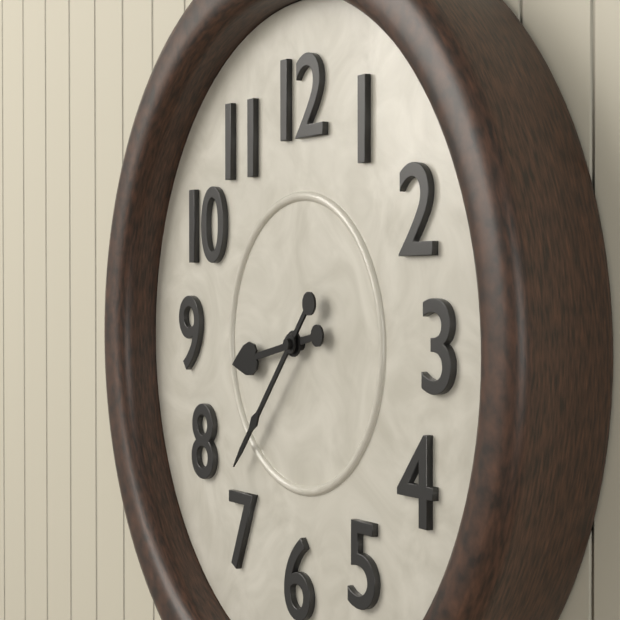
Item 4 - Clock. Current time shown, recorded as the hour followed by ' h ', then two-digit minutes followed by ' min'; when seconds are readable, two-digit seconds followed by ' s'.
8 h 37 min
